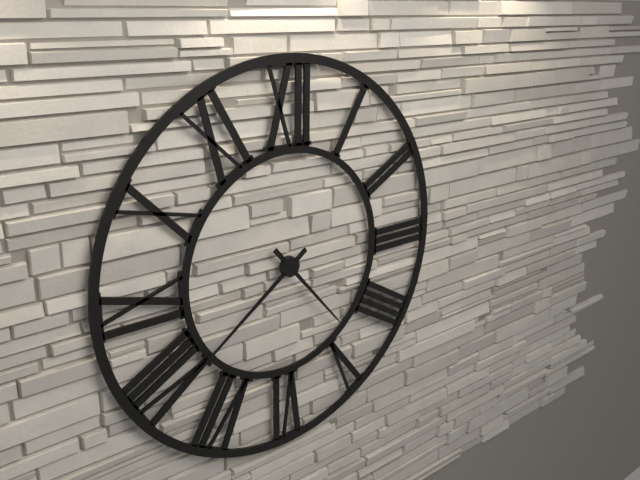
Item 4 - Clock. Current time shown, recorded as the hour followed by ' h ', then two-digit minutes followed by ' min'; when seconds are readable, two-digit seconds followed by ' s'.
4 h 39 min
